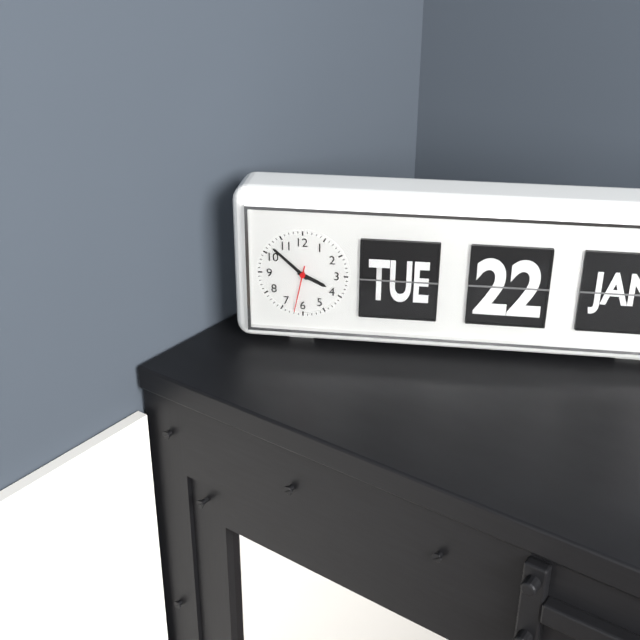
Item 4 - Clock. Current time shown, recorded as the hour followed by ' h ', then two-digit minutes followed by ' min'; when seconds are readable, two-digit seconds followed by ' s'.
3 h 52 min 32 s
